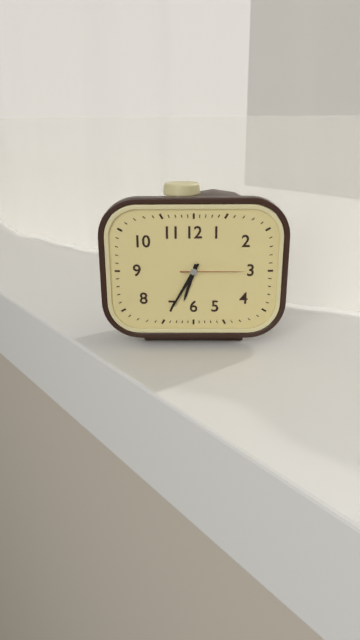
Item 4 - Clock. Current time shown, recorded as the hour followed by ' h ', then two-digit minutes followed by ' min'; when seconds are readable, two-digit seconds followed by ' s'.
6 h 35 min 15 s
